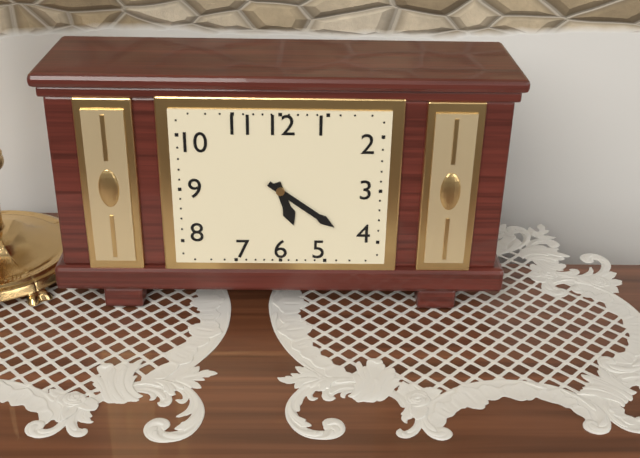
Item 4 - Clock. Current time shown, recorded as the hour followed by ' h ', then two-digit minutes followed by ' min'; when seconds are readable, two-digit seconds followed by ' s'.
5 h 21 min
